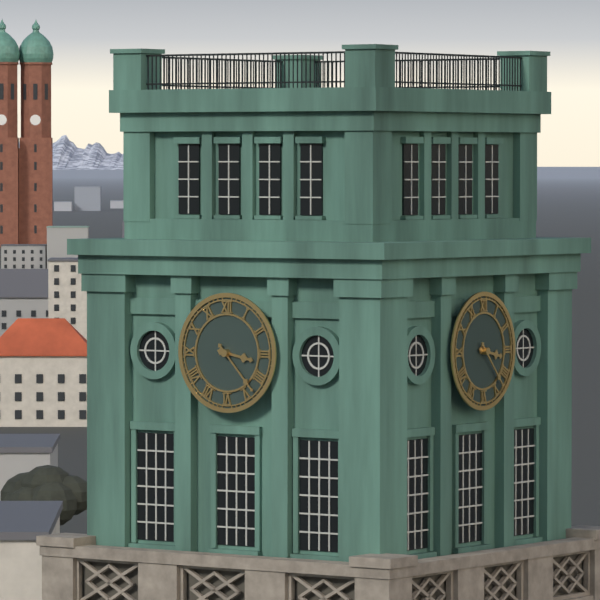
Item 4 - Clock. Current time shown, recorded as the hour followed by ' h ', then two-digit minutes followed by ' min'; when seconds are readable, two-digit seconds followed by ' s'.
3 h 23 min
